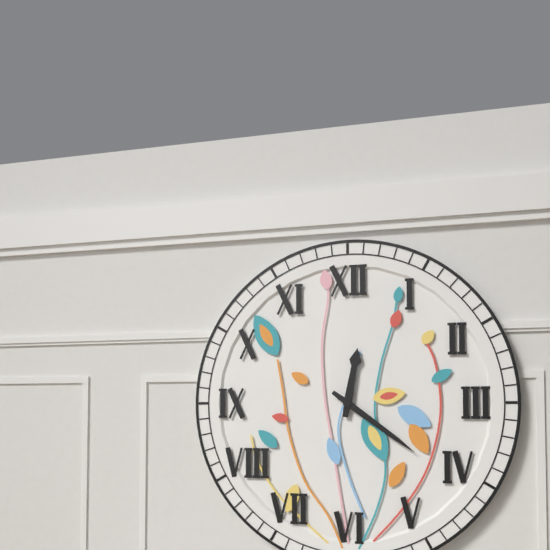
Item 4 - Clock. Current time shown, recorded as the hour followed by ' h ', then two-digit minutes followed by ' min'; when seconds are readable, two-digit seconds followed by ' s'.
12 h 21 min
